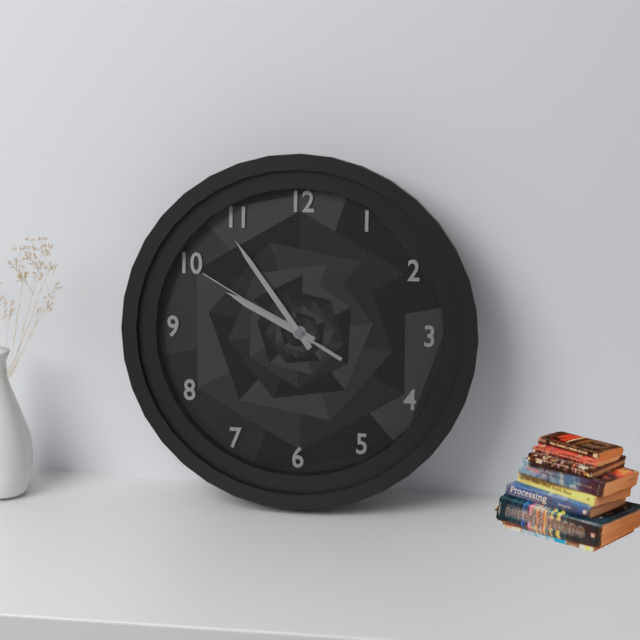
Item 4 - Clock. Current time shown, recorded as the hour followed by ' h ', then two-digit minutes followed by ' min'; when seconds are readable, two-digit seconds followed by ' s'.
9 h 54 min 50 s
